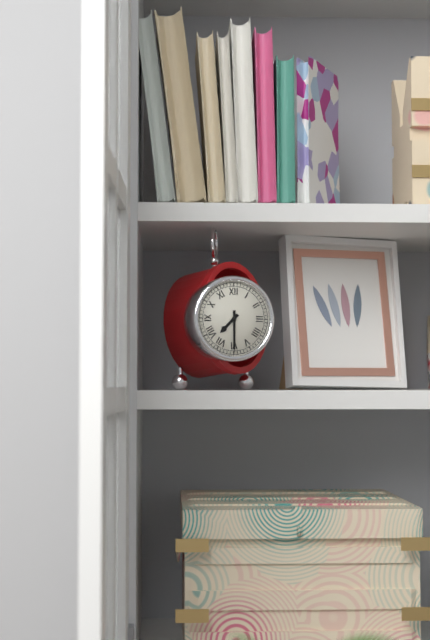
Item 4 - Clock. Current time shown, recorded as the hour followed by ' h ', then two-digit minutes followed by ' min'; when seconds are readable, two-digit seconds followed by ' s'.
7 h 30 min
